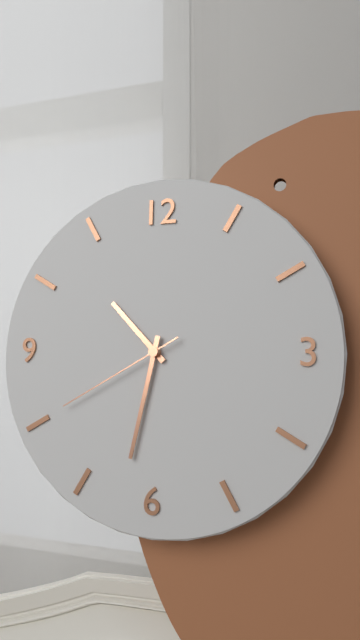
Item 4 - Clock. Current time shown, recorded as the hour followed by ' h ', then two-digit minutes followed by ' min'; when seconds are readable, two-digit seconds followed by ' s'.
10 h 32 min 40 s
